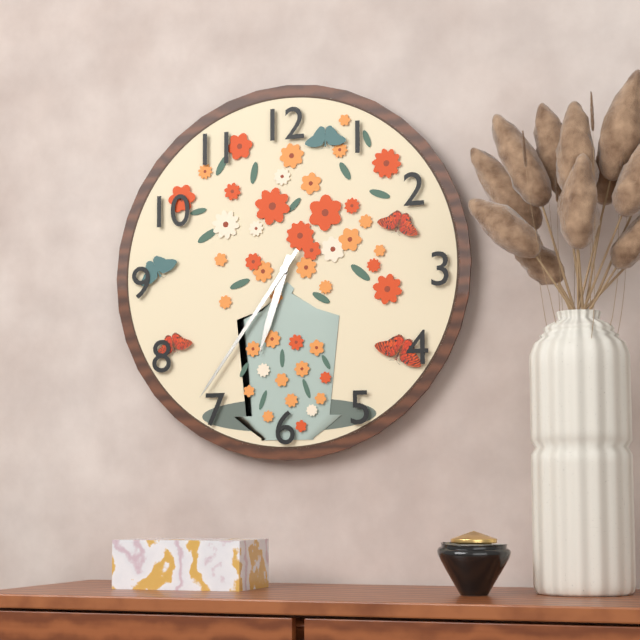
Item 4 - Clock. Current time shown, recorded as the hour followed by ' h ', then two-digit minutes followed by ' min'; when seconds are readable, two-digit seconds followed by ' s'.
6 h 36 min
